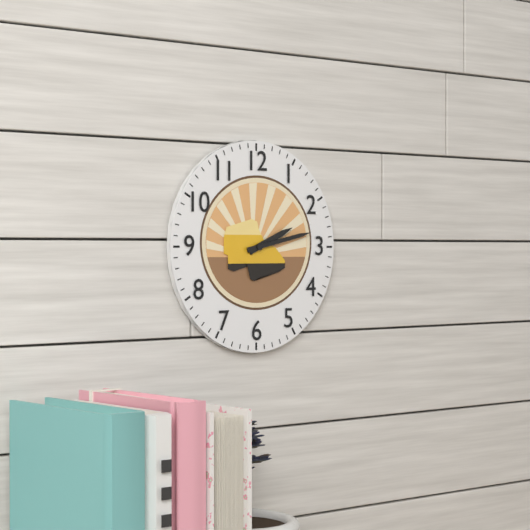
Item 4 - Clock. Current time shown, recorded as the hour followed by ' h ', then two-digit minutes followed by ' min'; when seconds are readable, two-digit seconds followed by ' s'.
2 h 13 min
